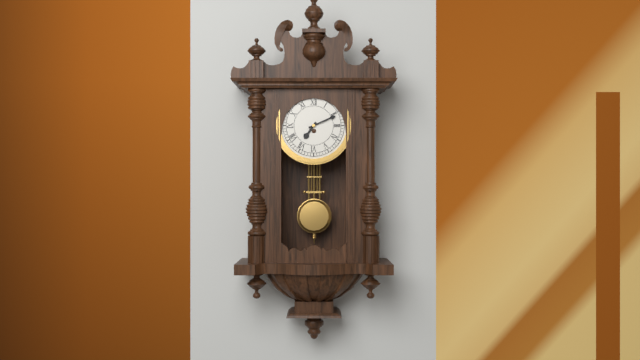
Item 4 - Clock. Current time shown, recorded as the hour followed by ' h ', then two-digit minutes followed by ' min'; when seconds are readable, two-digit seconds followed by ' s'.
7 h 11 min
